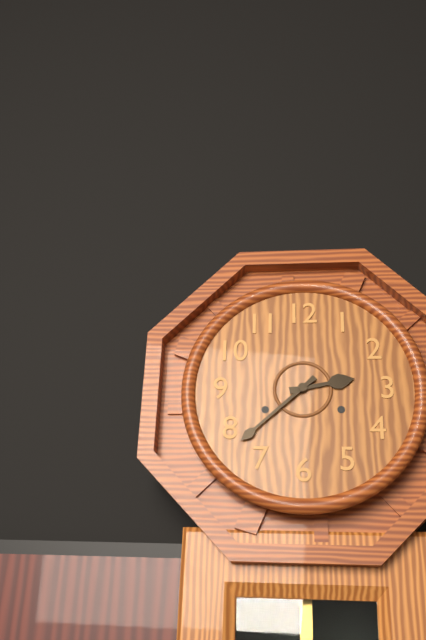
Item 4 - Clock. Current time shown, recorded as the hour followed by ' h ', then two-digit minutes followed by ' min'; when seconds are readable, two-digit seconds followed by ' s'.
2 h 38 min
